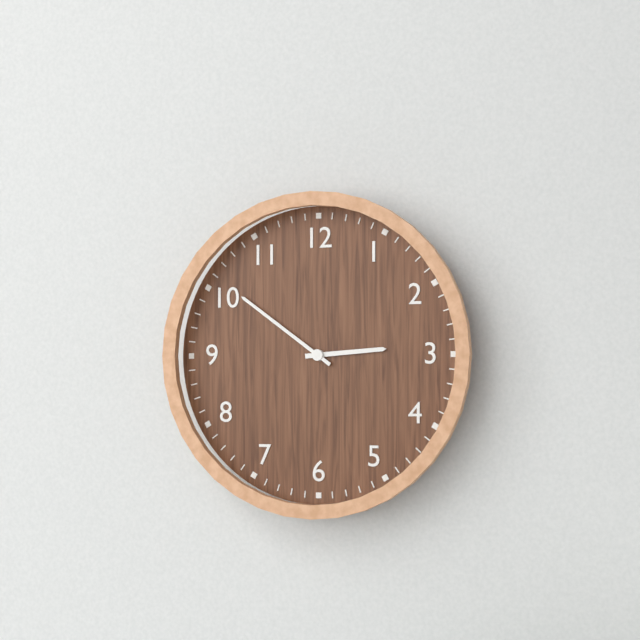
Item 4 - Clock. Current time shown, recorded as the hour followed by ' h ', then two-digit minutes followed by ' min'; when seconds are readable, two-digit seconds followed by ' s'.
2 h 51 min
